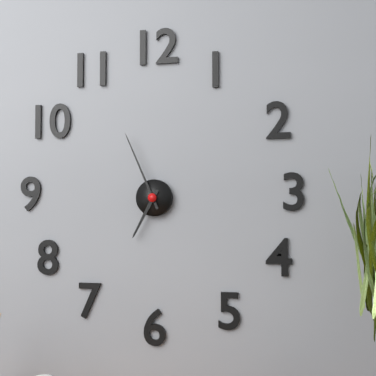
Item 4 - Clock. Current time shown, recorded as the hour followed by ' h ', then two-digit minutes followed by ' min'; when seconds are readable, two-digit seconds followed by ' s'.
6 h 56 min
